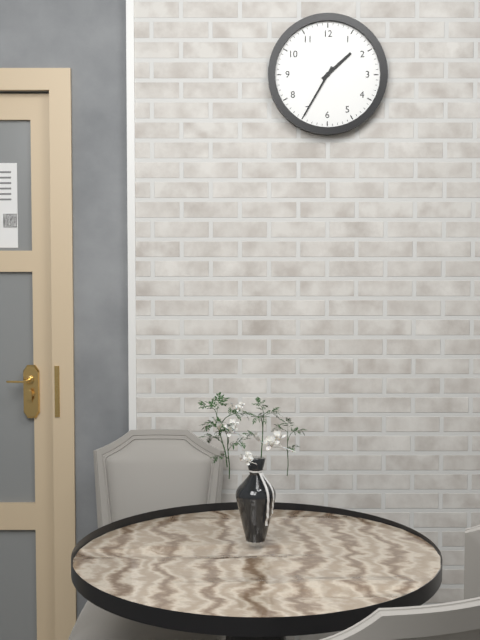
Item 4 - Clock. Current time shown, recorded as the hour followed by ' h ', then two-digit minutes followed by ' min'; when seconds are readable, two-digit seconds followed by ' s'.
1 h 35 min
